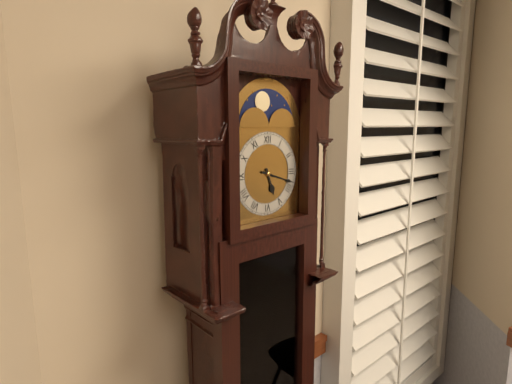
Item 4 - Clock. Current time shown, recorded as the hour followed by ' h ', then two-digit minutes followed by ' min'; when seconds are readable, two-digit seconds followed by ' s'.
5 h 18 min
